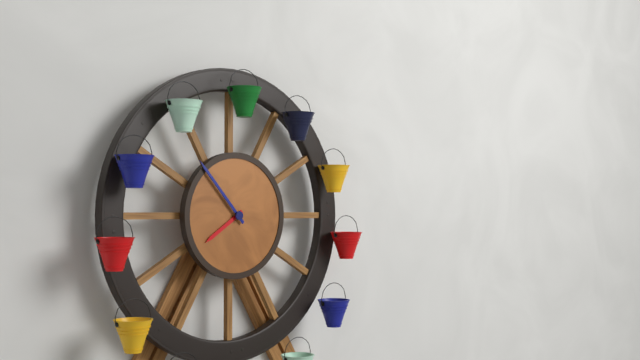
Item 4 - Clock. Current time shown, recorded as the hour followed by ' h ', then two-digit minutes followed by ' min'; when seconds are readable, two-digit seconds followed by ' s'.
7 h 53 min
